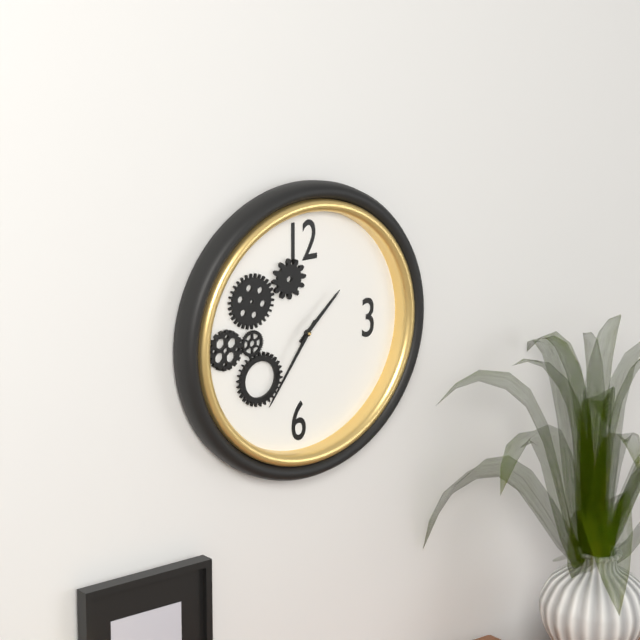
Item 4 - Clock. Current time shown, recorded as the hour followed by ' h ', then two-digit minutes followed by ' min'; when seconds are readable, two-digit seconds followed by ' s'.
1 h 36 min
